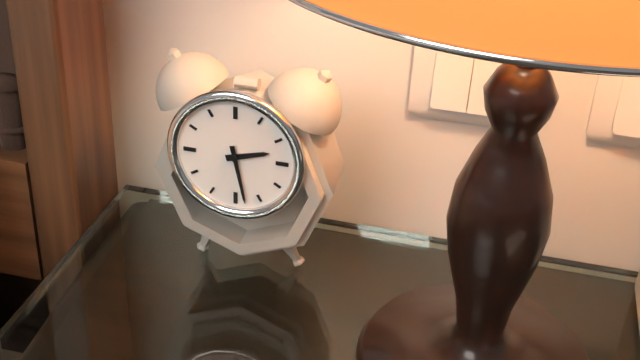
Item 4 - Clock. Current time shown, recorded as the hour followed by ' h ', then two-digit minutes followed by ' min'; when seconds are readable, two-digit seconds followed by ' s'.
2 h 28 min
